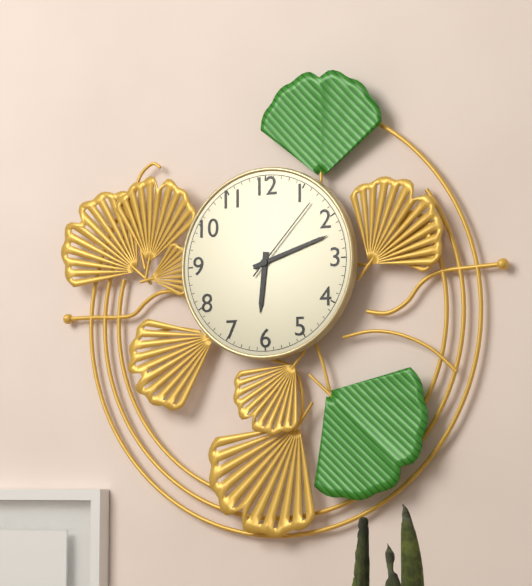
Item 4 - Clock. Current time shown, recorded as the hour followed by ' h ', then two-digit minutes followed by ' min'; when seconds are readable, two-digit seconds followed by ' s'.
6 h 12 min 07 s
